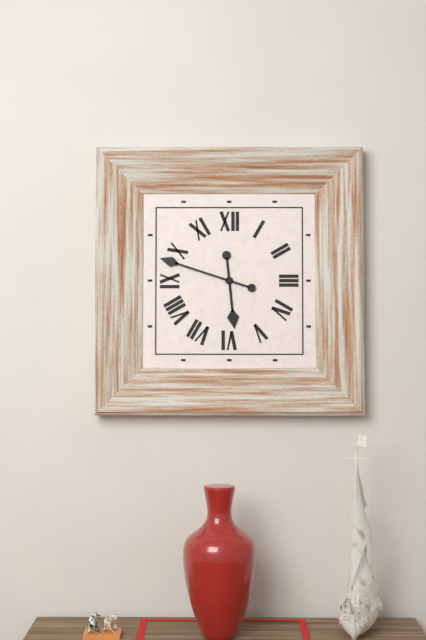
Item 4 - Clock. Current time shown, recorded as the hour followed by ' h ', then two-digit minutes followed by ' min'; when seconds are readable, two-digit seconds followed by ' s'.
5 h 48 min
